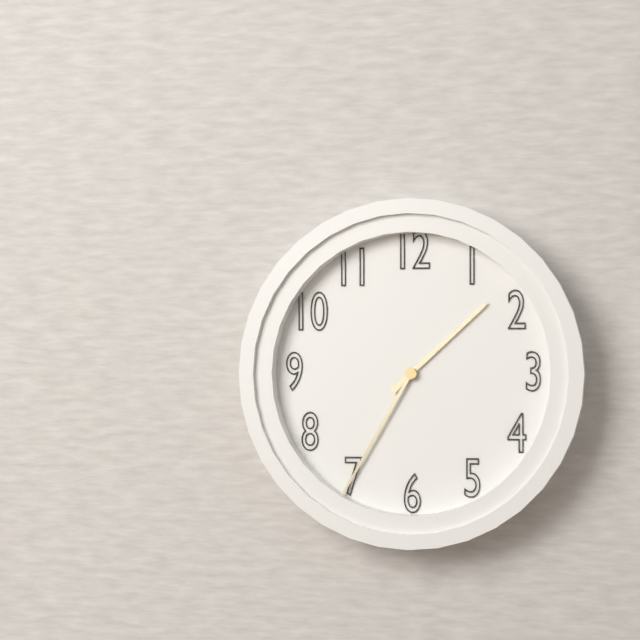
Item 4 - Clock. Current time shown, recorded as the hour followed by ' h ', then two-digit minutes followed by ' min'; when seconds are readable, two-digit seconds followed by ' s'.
1 h 35 min
